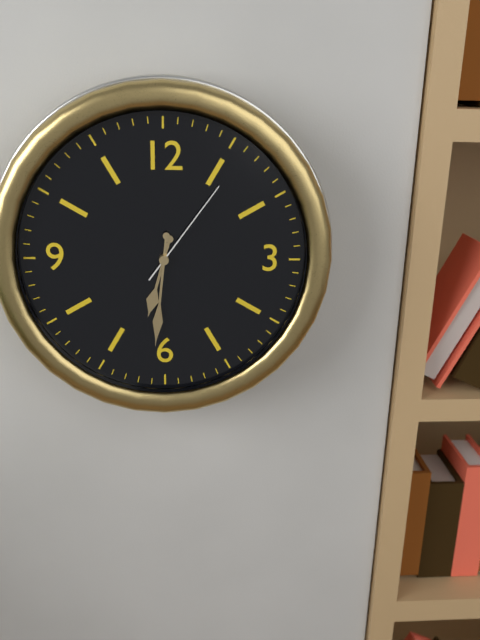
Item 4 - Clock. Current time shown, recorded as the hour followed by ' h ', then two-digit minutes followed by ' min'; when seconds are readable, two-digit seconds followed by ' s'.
6 h 31 min 06 s
